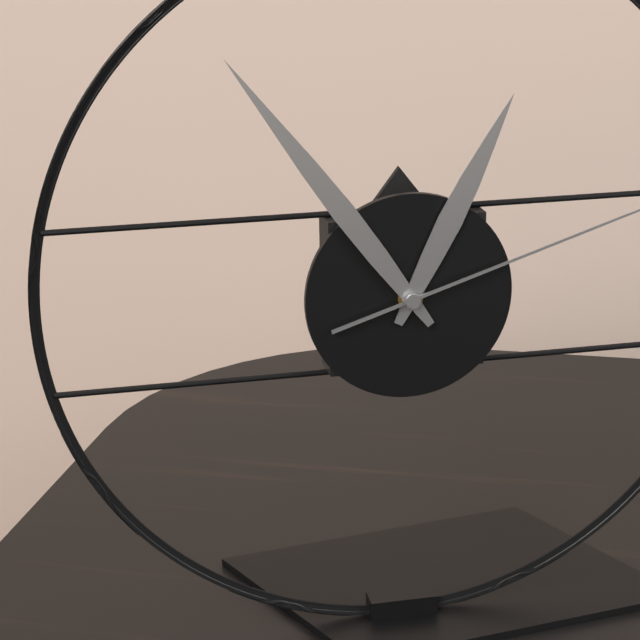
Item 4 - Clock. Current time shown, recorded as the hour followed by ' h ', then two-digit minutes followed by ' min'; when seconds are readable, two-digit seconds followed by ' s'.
12 h 54 min
